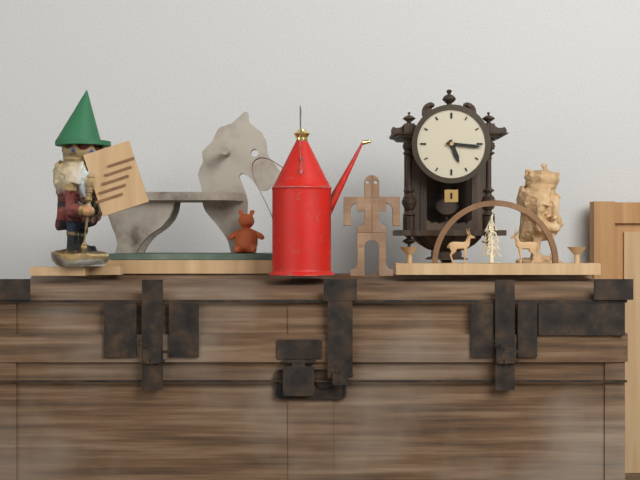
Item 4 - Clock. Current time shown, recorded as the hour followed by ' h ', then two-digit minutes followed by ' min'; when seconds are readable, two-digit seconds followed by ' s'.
5 h 16 min
